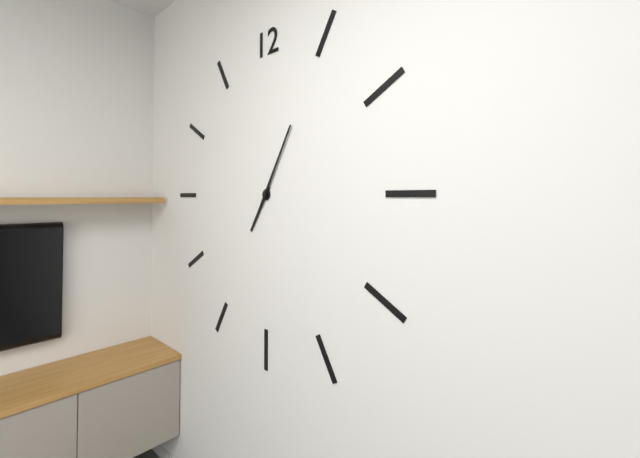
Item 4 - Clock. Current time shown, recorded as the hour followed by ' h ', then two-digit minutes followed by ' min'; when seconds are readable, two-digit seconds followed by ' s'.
7 h 05 min
